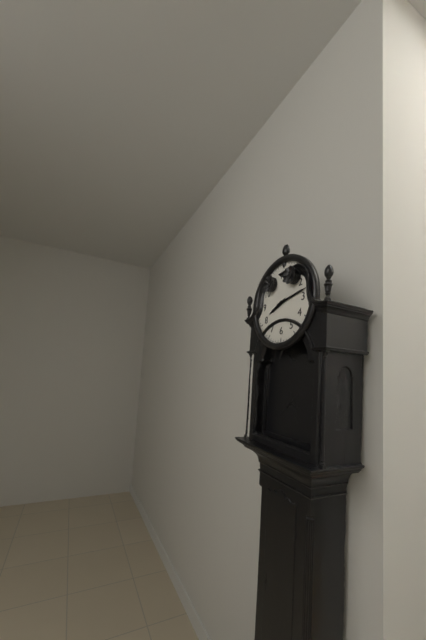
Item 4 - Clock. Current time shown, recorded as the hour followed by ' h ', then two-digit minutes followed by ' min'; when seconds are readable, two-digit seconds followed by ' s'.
8 h 13 min
